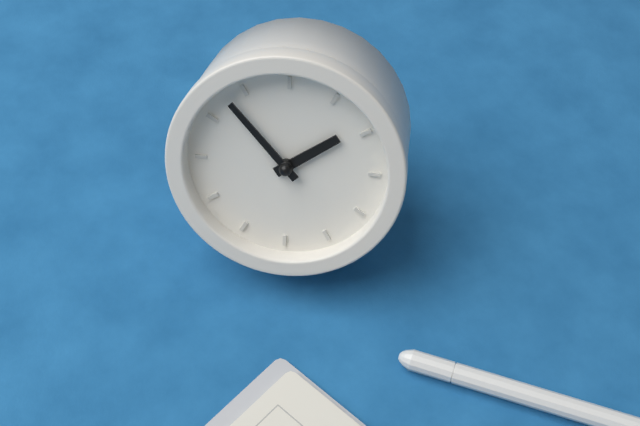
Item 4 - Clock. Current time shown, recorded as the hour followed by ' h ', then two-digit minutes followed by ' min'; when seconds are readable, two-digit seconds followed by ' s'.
12 h 48 min
